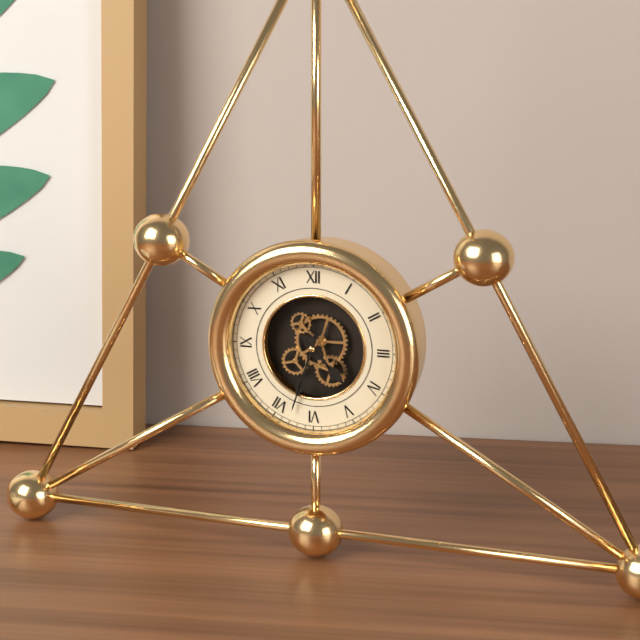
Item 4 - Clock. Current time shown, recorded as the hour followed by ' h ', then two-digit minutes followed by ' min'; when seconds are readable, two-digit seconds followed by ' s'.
4 h 33 min
